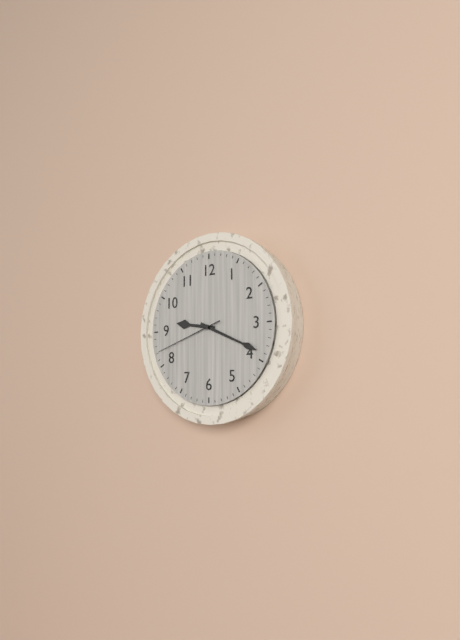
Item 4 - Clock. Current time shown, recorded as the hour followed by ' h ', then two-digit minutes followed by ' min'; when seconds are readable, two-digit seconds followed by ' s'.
9 h 19 min 42 s
